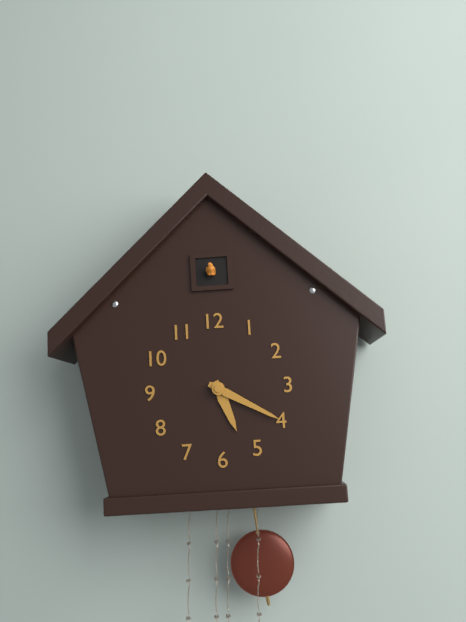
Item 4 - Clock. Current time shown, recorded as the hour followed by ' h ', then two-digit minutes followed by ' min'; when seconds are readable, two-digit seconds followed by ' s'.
5 h 20 min
